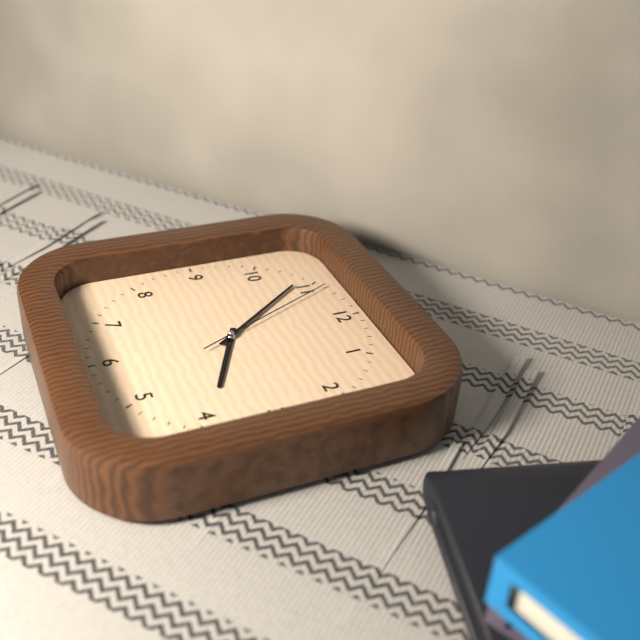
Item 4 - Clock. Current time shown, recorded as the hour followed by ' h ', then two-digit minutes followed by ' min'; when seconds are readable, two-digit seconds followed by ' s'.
3 h 54 min 56 s
